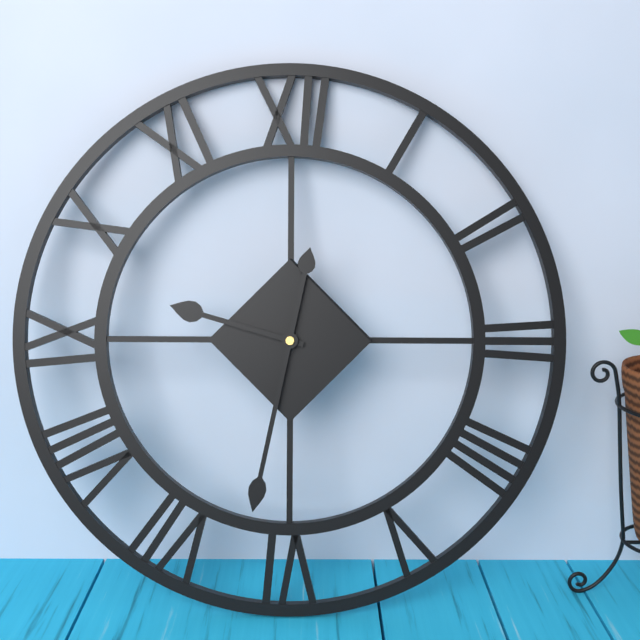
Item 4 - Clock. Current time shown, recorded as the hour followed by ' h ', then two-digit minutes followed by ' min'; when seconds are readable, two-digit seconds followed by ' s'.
9 h 32 min
